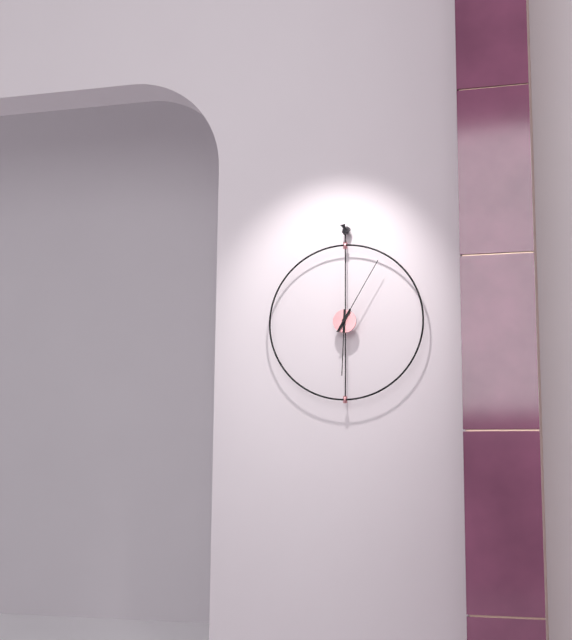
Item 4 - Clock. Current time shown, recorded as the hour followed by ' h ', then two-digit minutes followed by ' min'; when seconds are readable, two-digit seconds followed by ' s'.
6 h 05 min
